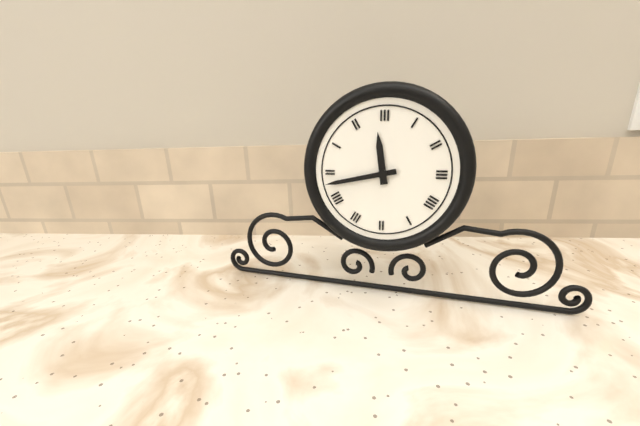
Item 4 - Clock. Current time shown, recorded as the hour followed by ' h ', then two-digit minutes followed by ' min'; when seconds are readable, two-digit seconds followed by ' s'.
11 h 43 min
